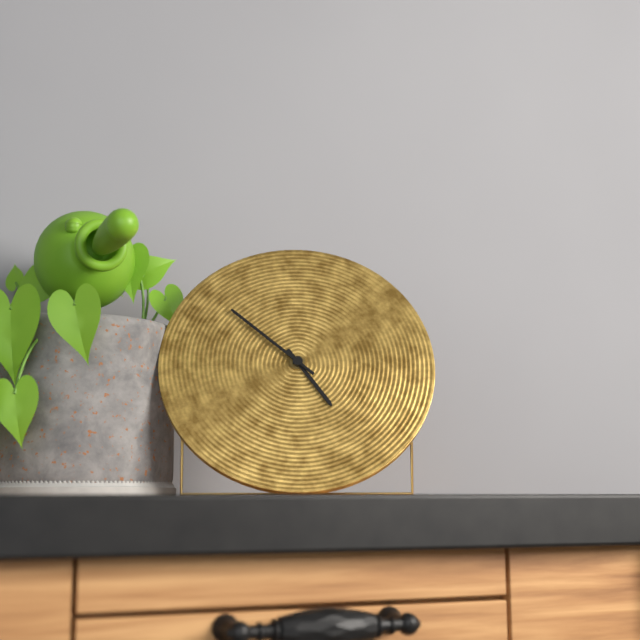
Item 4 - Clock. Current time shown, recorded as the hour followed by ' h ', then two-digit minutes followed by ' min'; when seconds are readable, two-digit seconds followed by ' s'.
4 h 52 min
